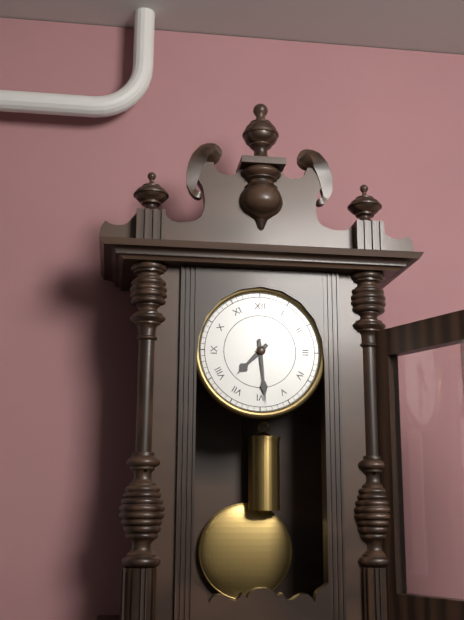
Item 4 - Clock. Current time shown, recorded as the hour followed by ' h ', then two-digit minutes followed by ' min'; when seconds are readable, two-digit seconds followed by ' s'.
7 h 29 min
